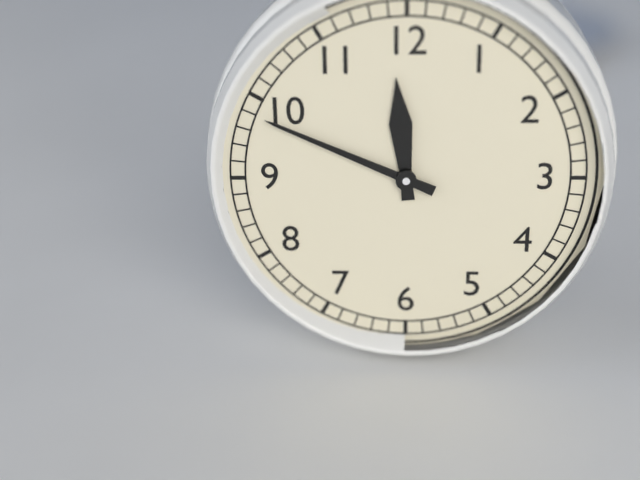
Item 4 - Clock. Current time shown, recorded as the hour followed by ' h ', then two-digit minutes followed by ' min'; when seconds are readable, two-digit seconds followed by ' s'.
11 h 49 min
